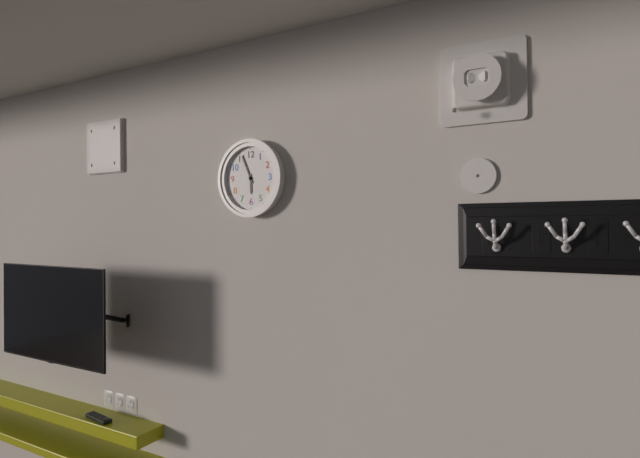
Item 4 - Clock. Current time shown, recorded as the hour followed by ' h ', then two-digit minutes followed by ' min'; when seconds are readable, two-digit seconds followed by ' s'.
5 h 56 min
